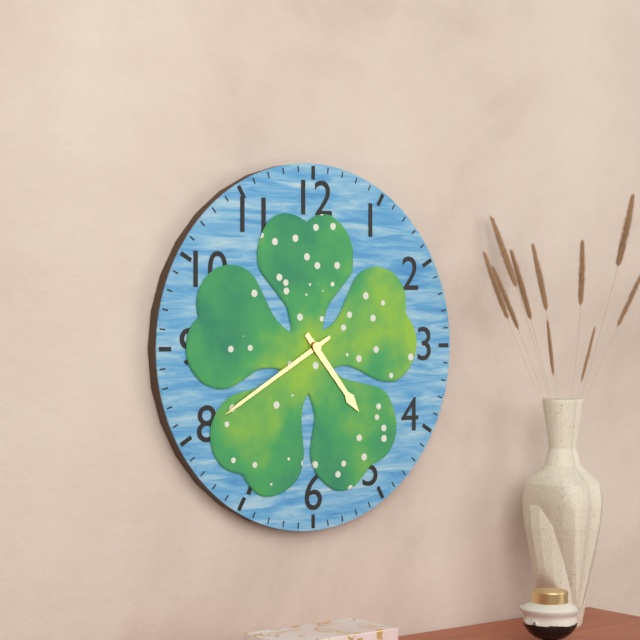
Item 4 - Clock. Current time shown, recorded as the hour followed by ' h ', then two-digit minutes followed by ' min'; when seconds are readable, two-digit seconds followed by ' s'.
4 h 40 min
